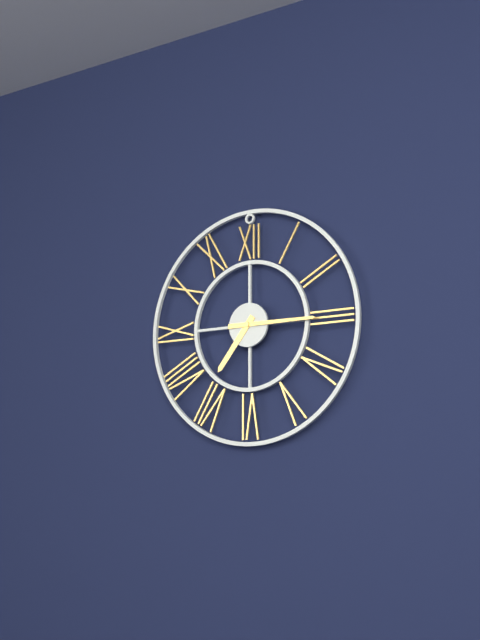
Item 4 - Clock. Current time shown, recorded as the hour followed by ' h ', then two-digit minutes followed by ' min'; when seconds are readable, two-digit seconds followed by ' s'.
7 h 15 min
